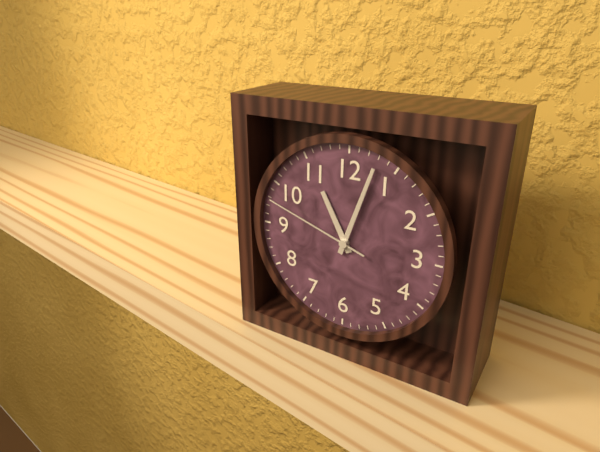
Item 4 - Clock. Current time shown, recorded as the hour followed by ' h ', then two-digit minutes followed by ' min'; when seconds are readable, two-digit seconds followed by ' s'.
11 h 03 min 48 s
